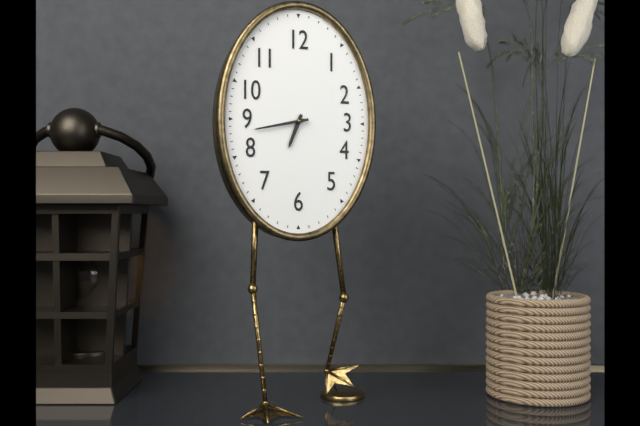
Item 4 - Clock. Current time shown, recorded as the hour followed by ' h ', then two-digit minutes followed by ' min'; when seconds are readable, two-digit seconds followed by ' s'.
6 h 43 min
